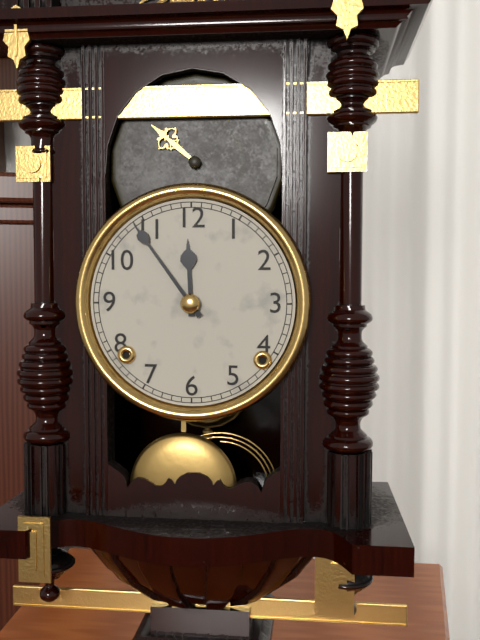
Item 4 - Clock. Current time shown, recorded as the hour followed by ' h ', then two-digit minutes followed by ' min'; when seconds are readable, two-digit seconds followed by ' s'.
11 h 54 min
